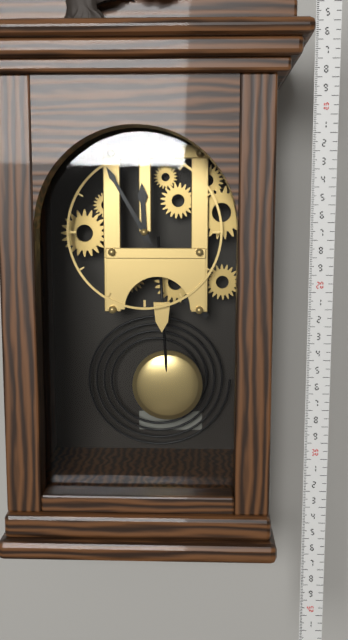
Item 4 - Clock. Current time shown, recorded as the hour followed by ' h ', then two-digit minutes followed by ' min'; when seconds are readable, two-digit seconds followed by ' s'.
11 h 55 min
